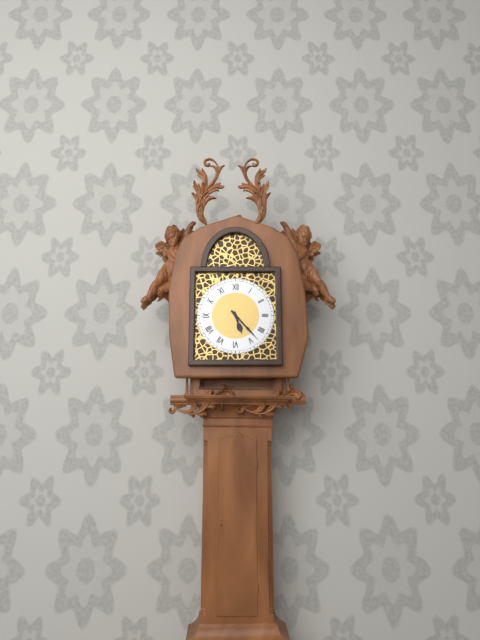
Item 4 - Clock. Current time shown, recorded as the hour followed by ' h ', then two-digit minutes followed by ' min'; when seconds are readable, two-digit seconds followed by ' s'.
5 h 23 min
